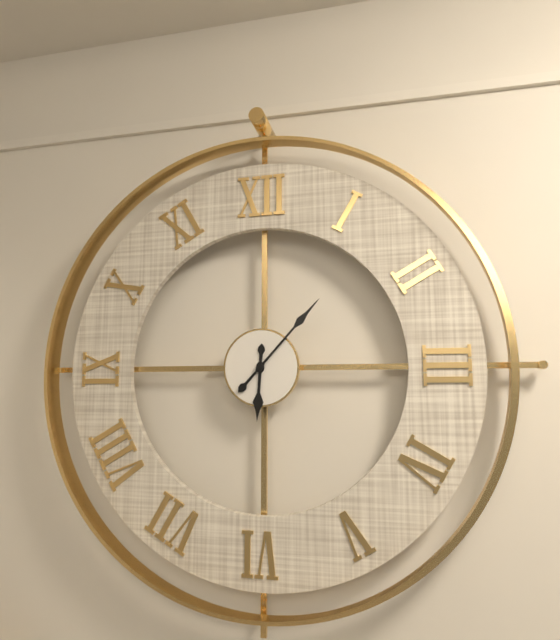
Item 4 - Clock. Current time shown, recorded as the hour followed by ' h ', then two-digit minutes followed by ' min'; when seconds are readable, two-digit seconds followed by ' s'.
6 h 07 min
